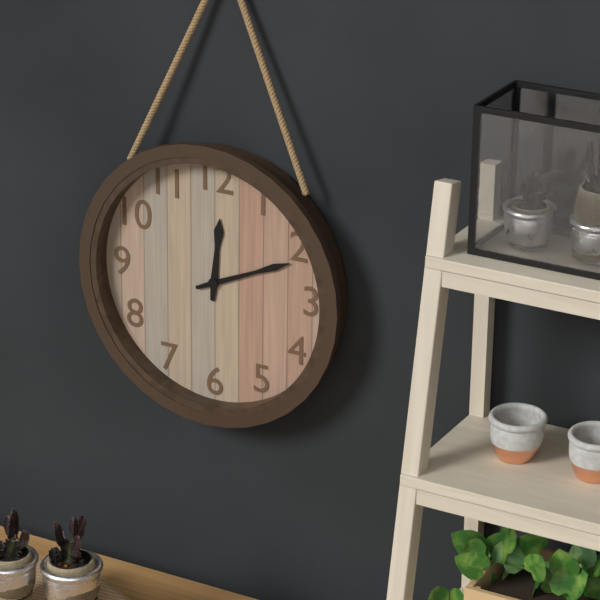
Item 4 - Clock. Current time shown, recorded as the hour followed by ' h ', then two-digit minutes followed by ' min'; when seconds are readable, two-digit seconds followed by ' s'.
12 h 11 min
